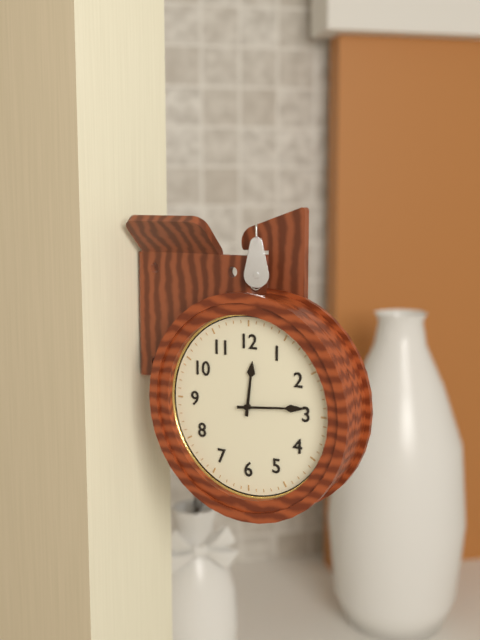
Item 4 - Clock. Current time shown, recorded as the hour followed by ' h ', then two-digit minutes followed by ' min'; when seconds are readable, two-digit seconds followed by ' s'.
12 h 14 min
